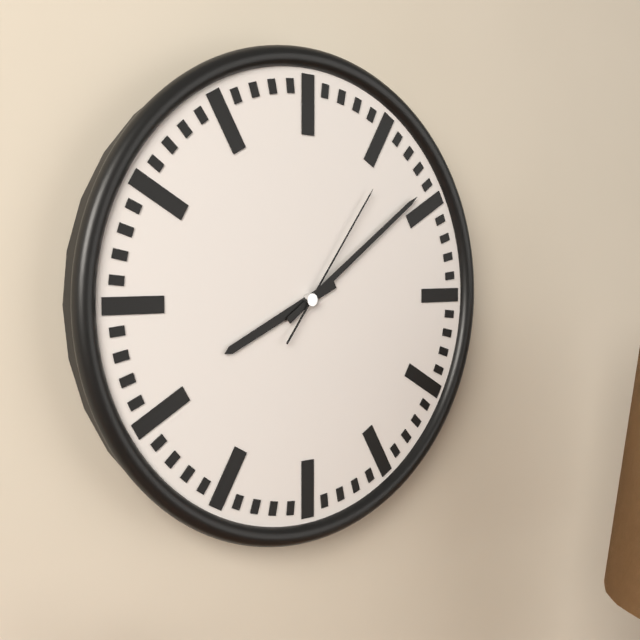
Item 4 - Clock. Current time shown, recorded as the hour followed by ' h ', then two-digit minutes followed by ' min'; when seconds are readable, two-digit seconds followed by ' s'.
8 h 09 min 06 s
